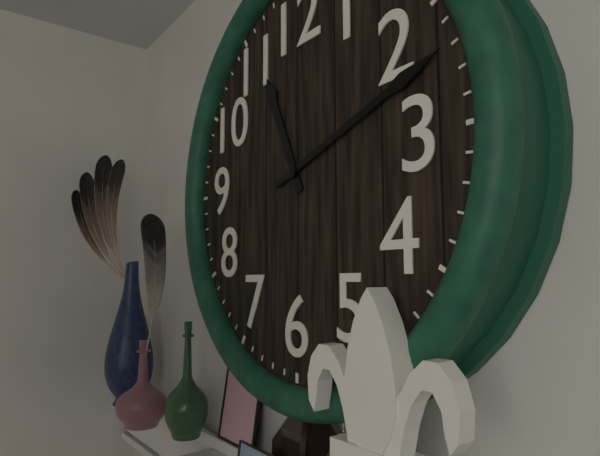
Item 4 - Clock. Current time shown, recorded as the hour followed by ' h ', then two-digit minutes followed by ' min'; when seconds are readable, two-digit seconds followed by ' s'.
11 h 12 min
